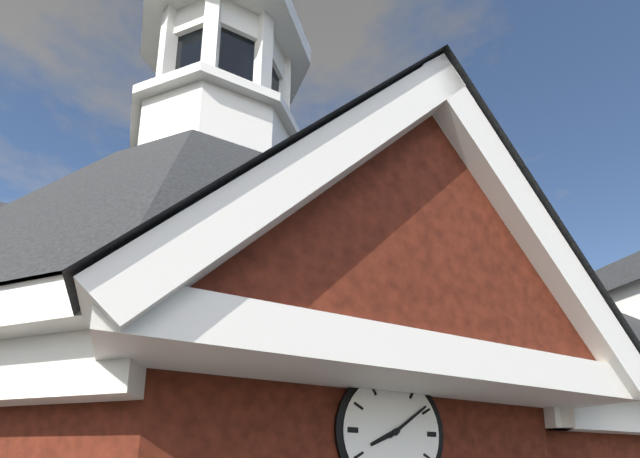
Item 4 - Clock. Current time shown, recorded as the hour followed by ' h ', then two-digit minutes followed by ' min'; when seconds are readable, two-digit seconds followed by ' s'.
8 h 09 min
